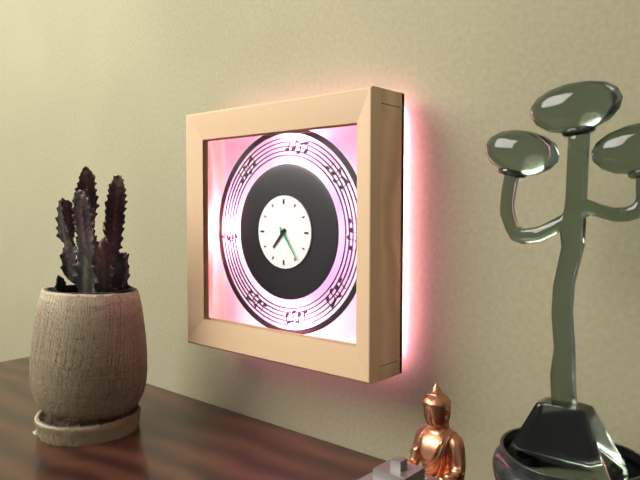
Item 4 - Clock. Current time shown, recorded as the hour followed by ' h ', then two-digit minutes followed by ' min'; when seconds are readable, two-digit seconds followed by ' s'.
7 h 24 min
